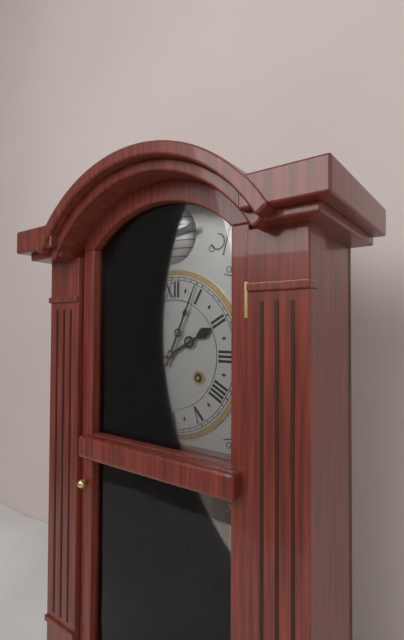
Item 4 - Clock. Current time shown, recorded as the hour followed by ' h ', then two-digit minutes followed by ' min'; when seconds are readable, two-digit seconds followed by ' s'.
2 h 04 min
